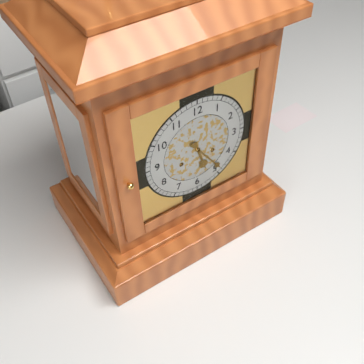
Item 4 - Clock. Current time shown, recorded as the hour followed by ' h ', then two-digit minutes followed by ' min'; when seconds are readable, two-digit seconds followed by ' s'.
5 h 24 min
